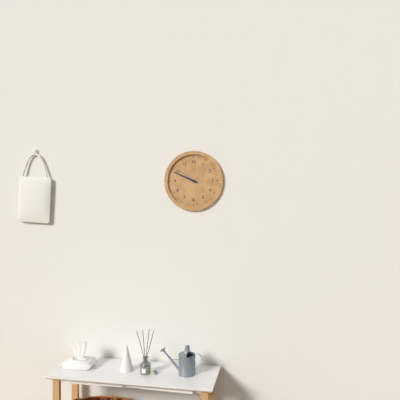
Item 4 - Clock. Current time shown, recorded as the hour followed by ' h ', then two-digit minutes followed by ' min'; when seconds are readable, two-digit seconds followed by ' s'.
9 h 49 min
